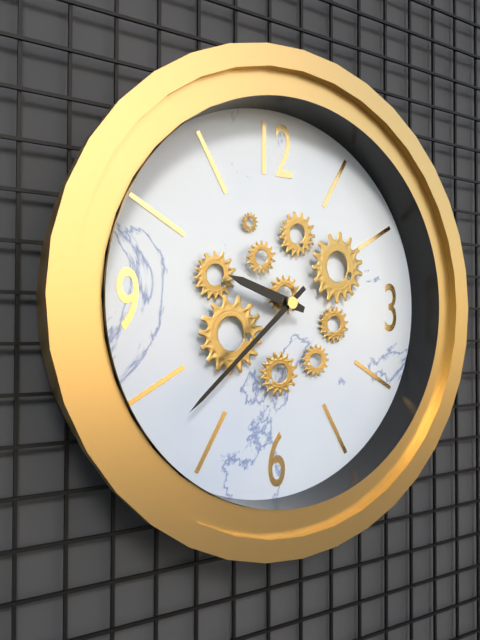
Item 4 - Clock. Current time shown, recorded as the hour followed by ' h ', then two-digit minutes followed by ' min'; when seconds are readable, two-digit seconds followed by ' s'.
9 h 38 min
